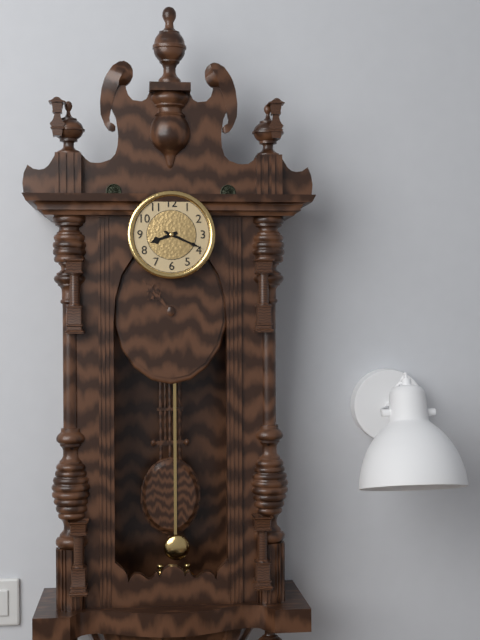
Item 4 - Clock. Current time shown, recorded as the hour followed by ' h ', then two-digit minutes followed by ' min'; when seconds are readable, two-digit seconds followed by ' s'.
8 h 19 min
